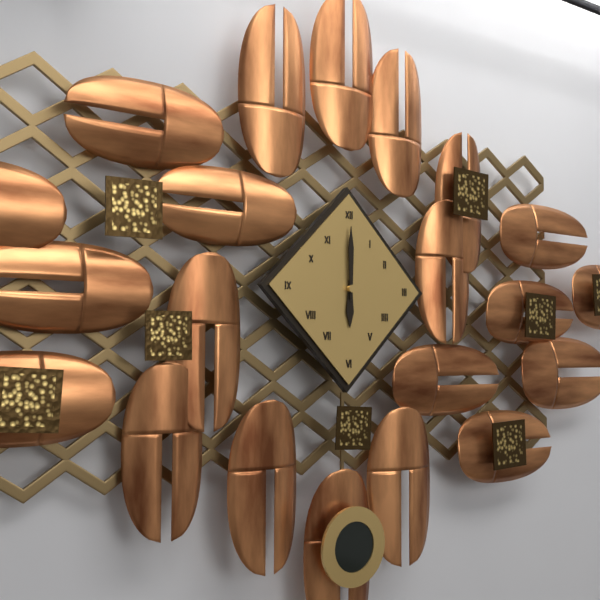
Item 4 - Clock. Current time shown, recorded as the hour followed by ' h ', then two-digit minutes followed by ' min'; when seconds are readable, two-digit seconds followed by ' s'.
6 h 00 min
